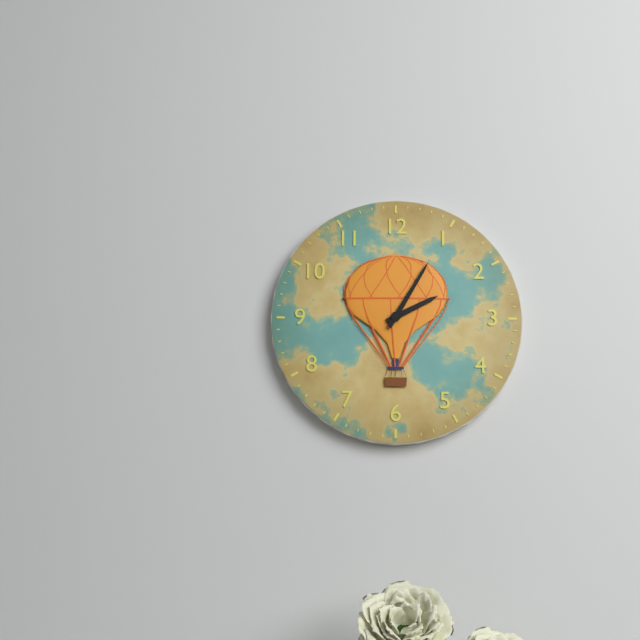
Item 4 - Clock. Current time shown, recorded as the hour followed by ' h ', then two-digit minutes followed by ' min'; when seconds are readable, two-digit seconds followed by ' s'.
2 h 05 min
